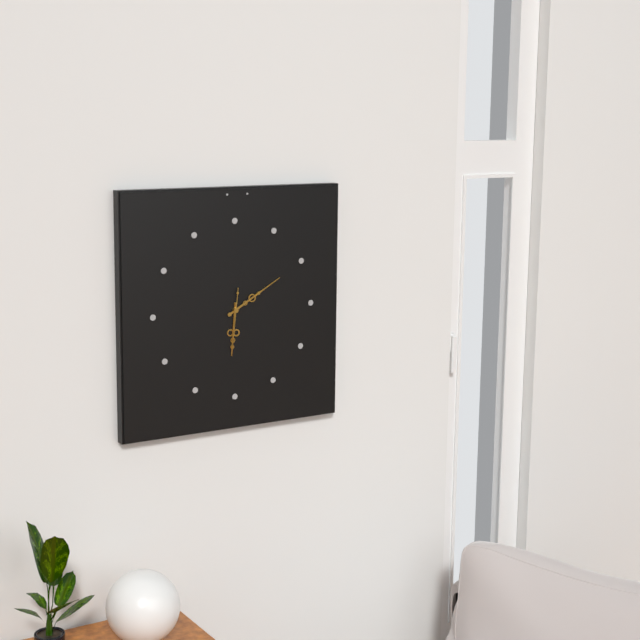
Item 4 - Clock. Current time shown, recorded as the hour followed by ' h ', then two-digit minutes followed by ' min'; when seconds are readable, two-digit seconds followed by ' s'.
6 h 10 min
